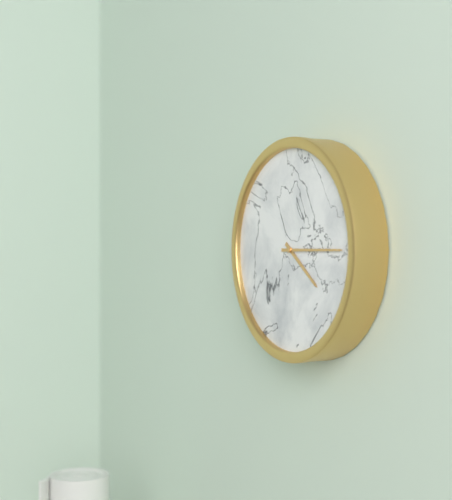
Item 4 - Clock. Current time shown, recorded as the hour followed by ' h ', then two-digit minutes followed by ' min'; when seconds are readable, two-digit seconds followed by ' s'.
4 h 15 min
